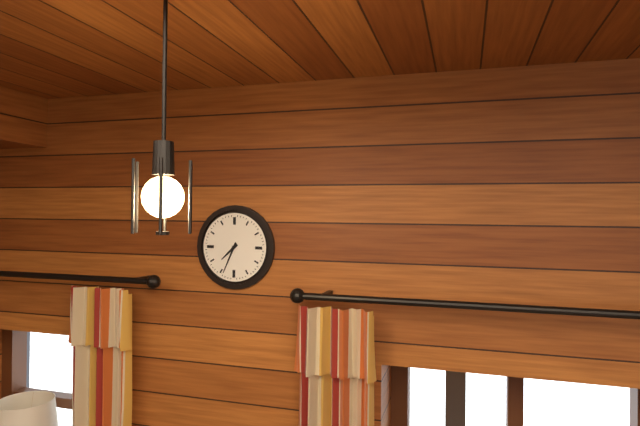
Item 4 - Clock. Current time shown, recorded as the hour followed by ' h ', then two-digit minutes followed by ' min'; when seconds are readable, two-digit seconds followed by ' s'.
7 h 34 min
